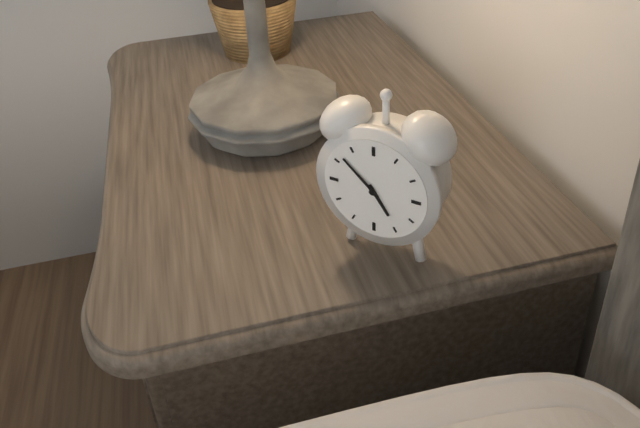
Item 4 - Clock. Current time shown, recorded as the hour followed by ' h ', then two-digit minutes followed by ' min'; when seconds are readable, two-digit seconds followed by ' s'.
4 h 52 min
